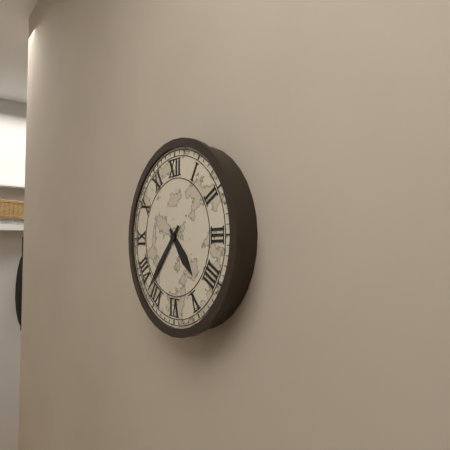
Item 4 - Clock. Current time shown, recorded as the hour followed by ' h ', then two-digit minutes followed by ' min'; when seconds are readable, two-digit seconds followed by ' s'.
4 h 37 min
